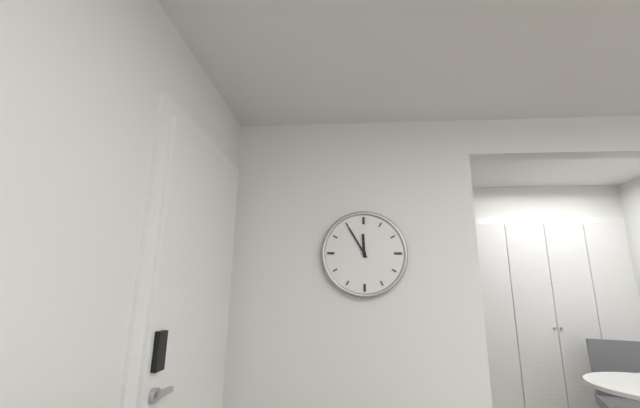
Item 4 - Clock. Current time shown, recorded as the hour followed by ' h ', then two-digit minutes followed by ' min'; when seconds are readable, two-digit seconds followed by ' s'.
11 h 55 min
